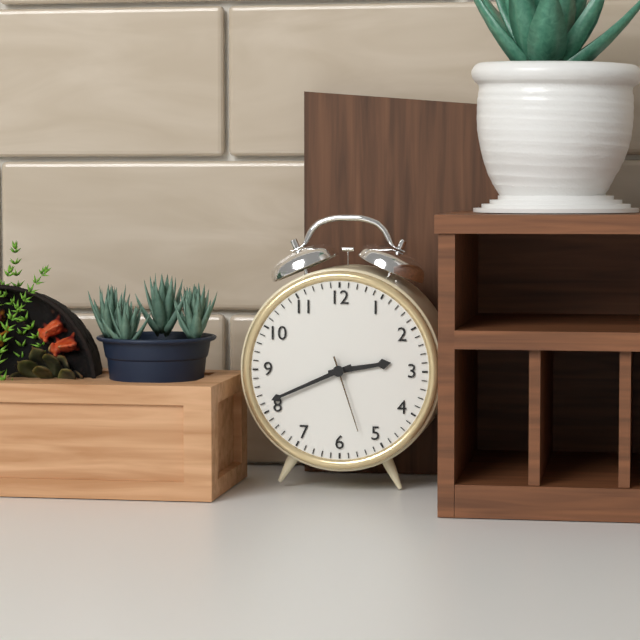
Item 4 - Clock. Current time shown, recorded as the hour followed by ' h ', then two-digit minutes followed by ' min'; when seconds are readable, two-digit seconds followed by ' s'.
2 h 41 min 27 s
